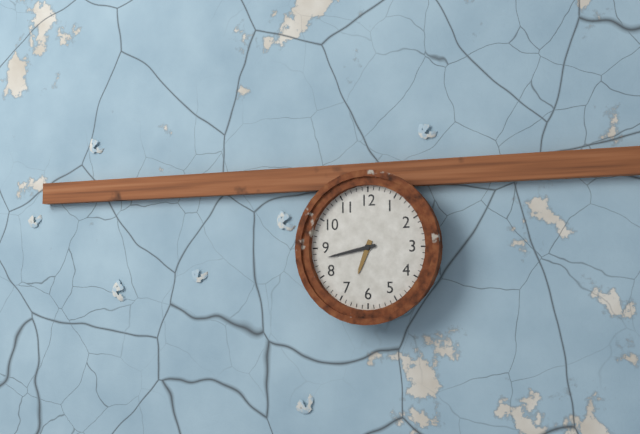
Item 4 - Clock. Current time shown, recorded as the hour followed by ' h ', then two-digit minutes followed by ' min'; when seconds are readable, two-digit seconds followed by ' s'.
6 h 43 min
